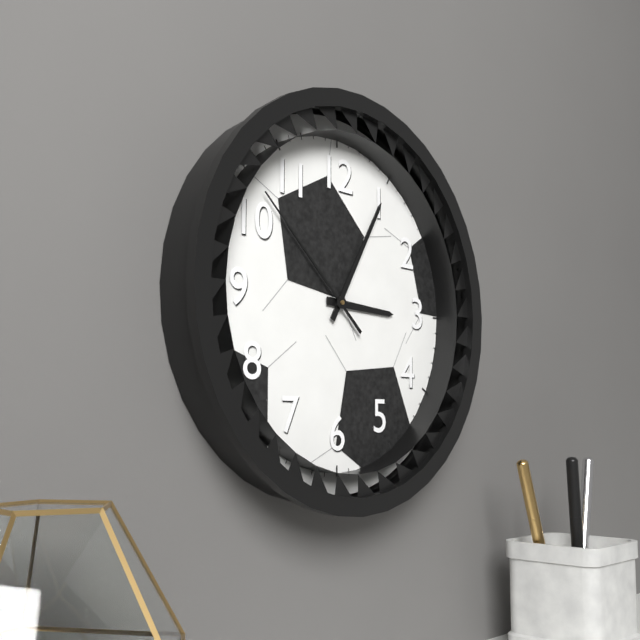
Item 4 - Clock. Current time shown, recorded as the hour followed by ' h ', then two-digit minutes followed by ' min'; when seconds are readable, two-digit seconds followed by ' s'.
3 h 05 min 52 s
